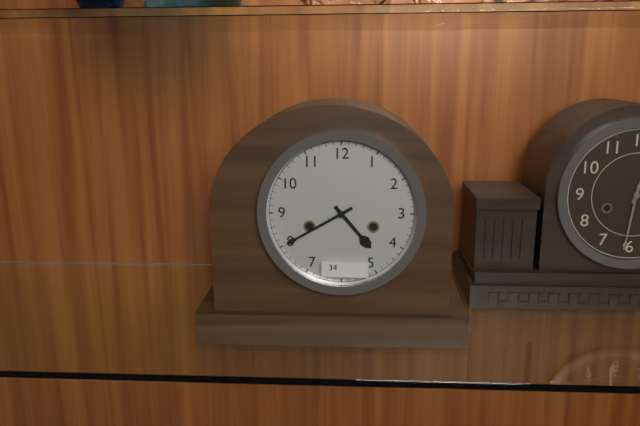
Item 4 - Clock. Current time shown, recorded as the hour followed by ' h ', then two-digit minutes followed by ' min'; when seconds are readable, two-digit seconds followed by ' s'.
4 h 40 min
